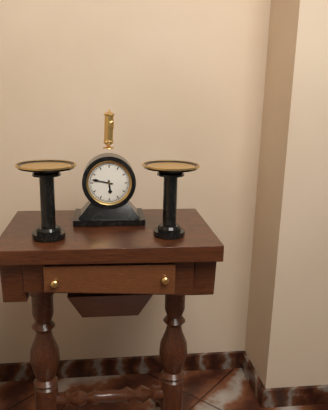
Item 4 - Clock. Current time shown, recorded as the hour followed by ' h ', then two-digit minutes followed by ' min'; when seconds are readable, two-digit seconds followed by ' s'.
5 h 47 min
